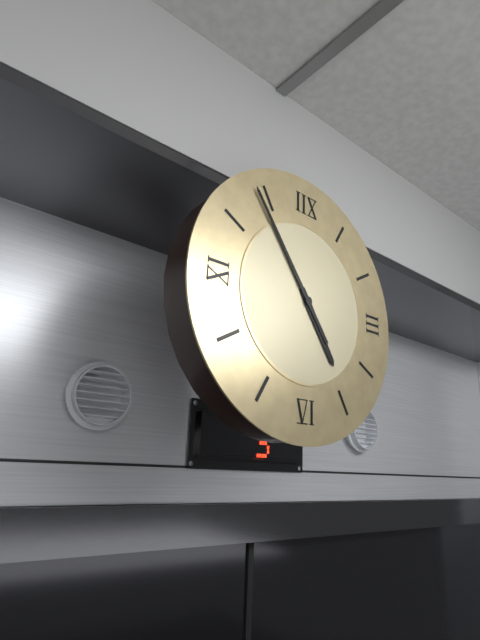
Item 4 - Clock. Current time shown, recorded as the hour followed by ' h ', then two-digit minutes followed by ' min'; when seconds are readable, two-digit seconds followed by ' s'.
4 h 54 min
